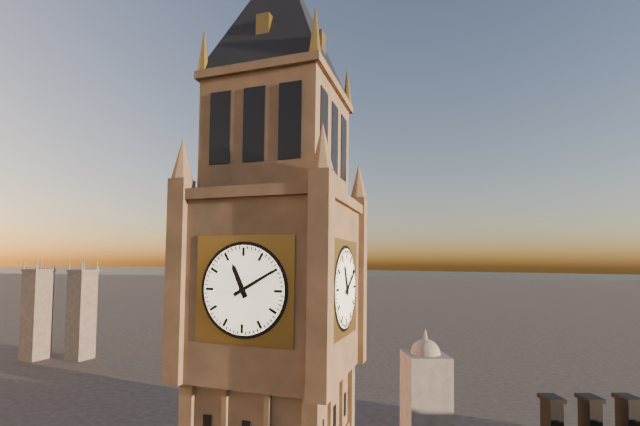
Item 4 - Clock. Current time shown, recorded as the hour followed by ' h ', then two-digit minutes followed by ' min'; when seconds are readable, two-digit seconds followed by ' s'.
11 h 10 min
